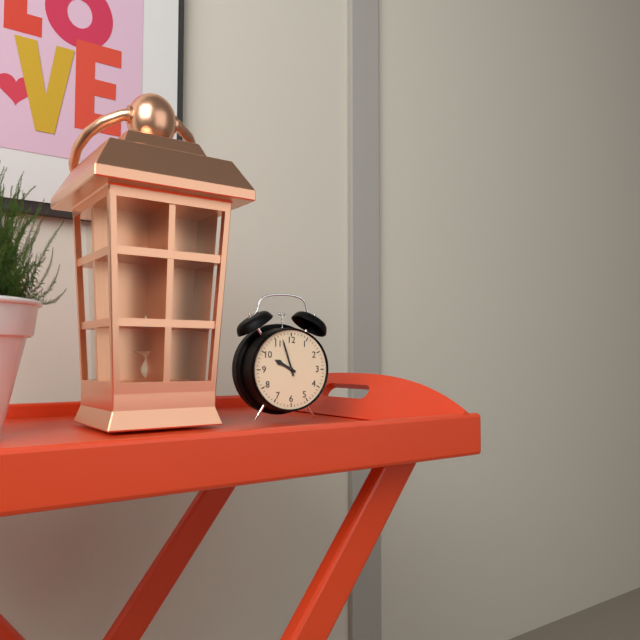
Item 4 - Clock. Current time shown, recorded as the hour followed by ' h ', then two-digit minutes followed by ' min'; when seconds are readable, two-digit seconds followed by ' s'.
9 h 57 min
